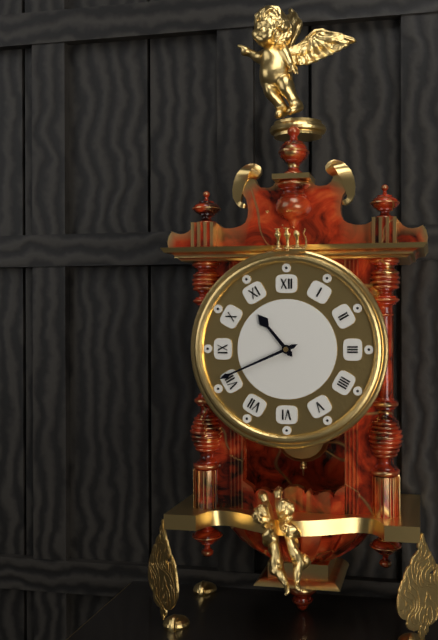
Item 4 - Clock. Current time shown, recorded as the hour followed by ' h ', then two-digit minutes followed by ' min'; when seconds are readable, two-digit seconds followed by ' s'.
10 h 41 min
